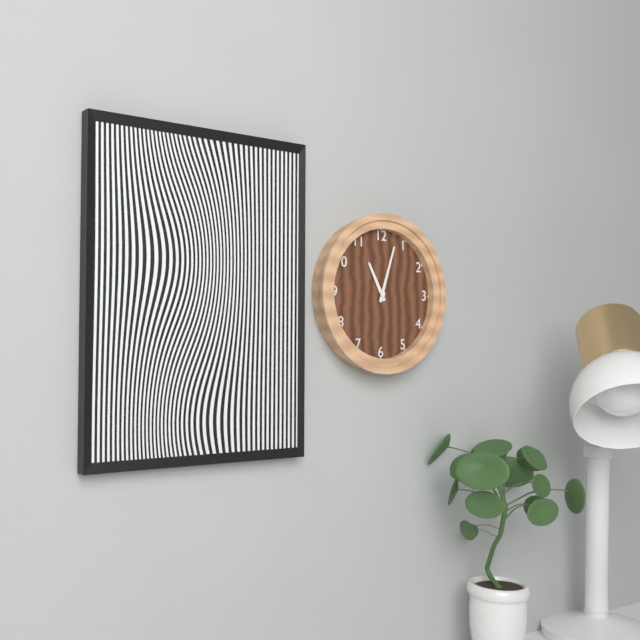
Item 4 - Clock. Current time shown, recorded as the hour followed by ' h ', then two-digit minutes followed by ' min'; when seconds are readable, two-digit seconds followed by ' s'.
11 h 03 min
